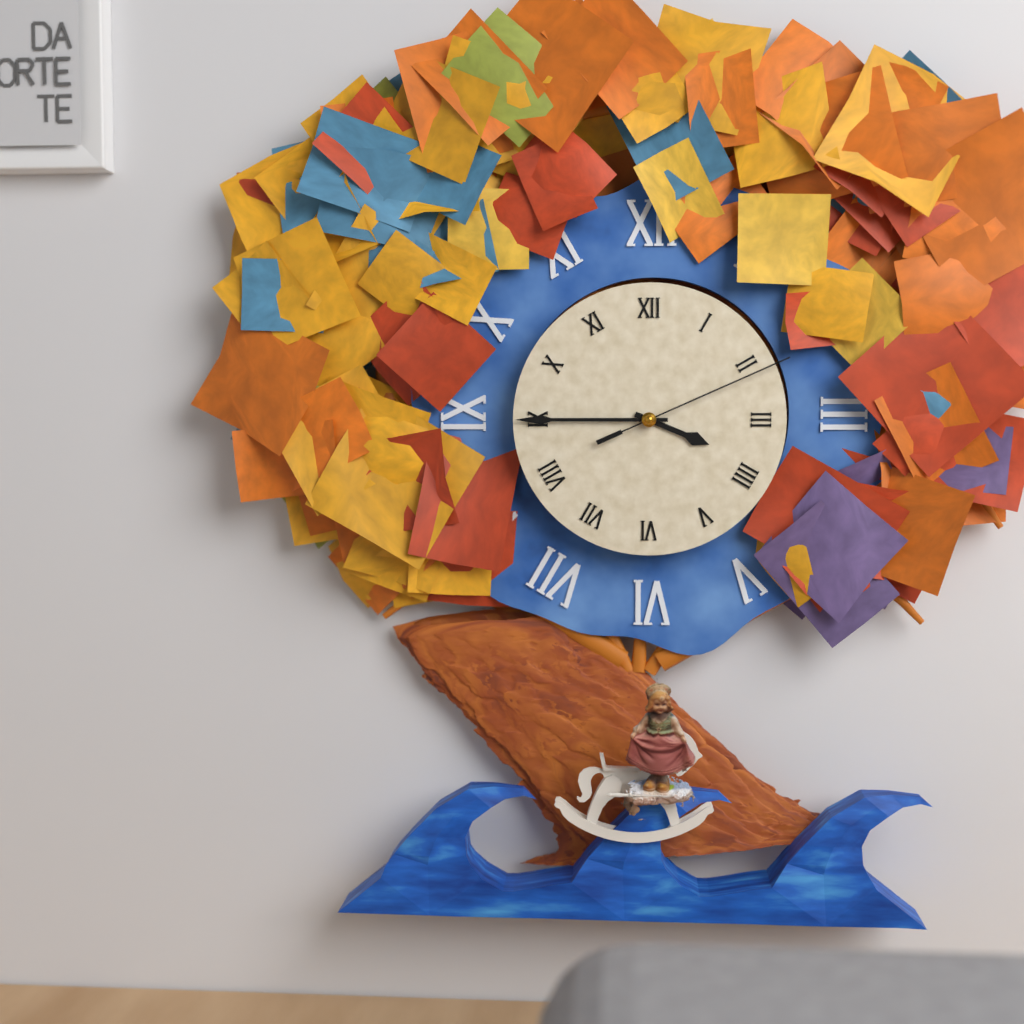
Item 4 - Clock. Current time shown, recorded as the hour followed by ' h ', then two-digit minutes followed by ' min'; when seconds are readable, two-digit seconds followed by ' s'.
3 h 45 min 11 s
